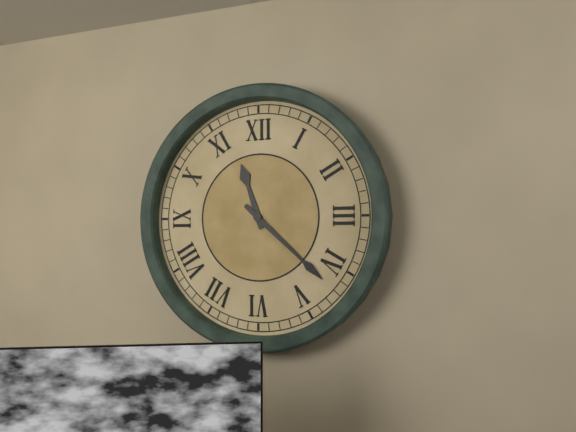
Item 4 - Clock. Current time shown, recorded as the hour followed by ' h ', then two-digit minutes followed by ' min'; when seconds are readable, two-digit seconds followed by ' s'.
11 h 22 min
